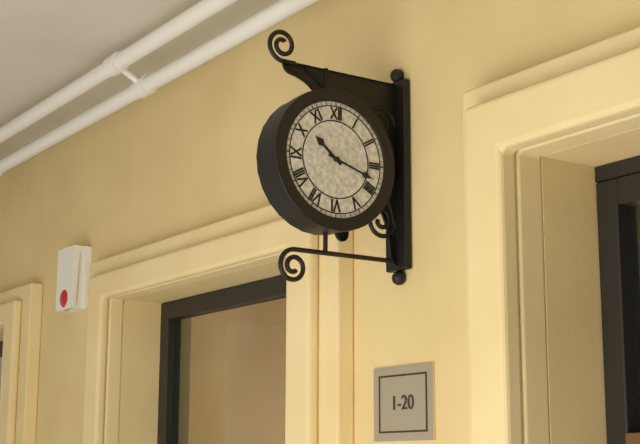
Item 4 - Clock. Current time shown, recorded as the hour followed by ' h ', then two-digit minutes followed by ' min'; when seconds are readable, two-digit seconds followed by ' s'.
10 h 18 min
